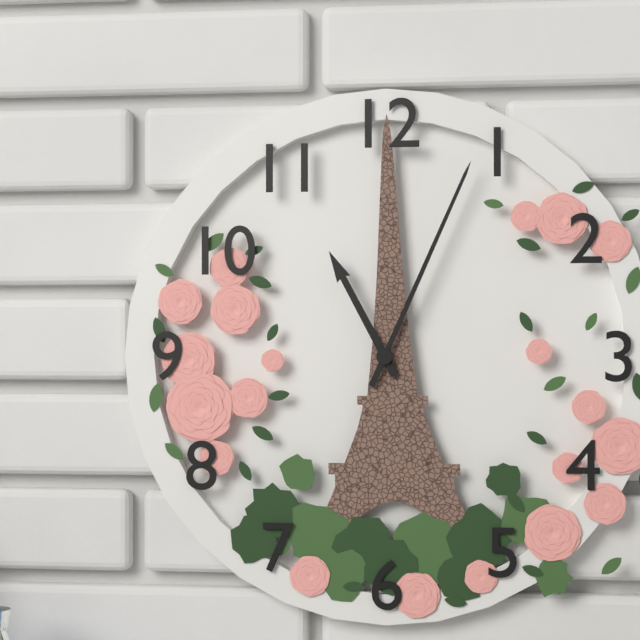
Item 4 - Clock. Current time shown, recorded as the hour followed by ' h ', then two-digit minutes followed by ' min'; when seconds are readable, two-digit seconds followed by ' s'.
11 h 04 min
